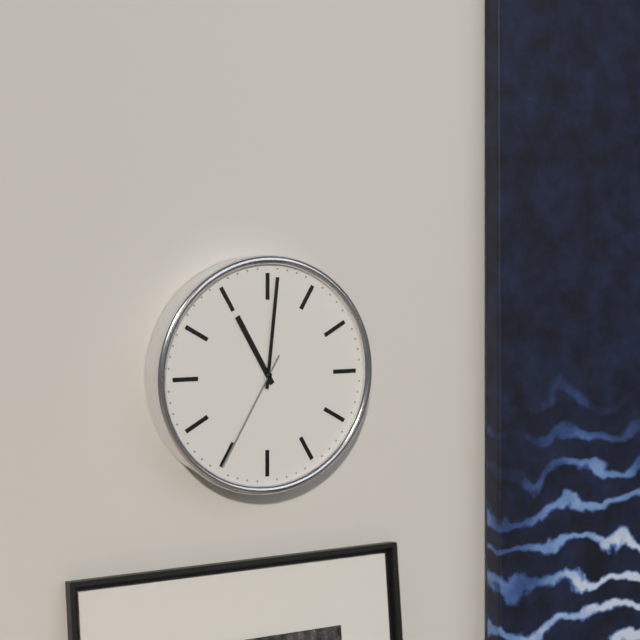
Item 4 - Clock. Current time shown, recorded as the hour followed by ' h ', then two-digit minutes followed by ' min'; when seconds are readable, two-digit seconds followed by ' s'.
11 h 01 min 35 s
